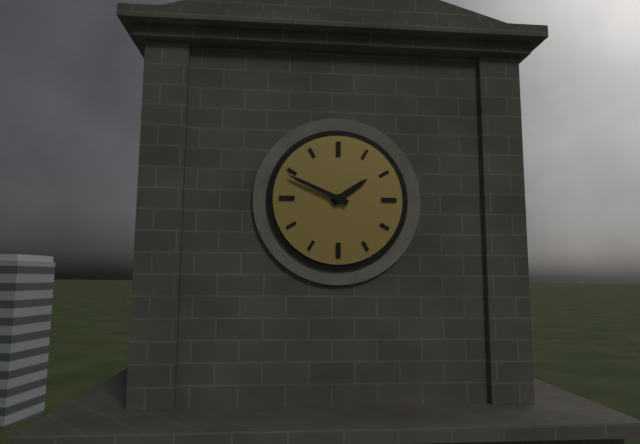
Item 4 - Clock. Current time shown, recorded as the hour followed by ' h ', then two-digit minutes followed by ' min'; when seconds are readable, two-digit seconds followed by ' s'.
1 h 49 min
